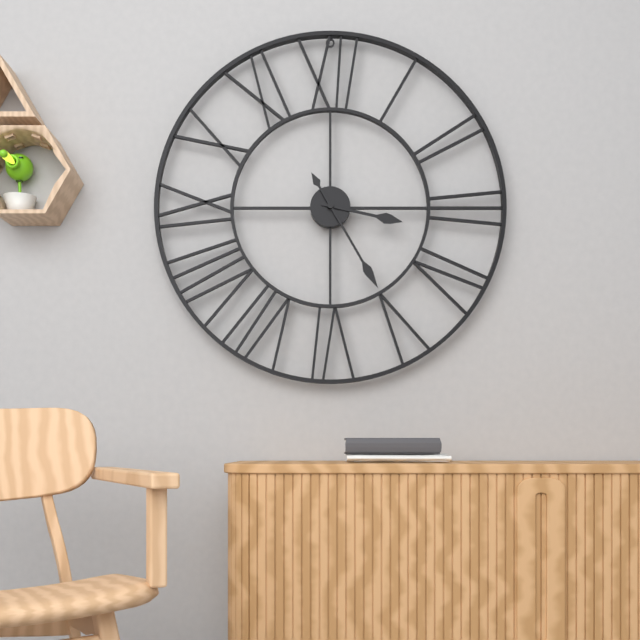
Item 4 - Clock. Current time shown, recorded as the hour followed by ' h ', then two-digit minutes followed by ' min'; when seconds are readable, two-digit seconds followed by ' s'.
3 h 25 min
